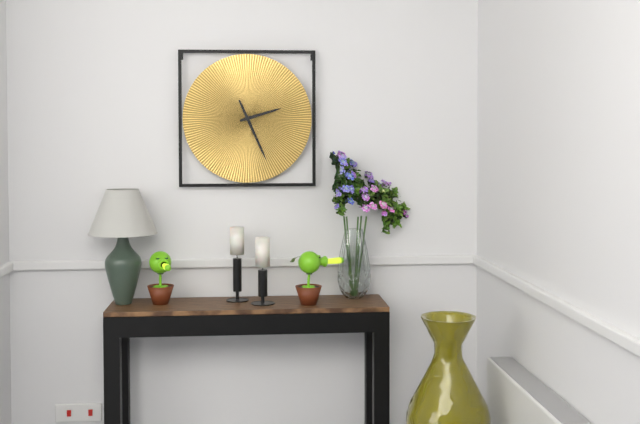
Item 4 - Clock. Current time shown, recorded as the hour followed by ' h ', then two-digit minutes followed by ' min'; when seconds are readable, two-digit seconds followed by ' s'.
2 h 26 min
